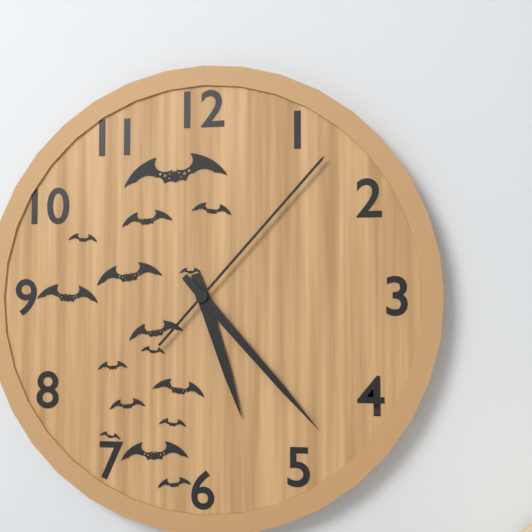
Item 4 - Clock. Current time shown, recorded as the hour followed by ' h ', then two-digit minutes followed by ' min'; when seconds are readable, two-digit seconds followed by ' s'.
5 h 23 min 07 s
